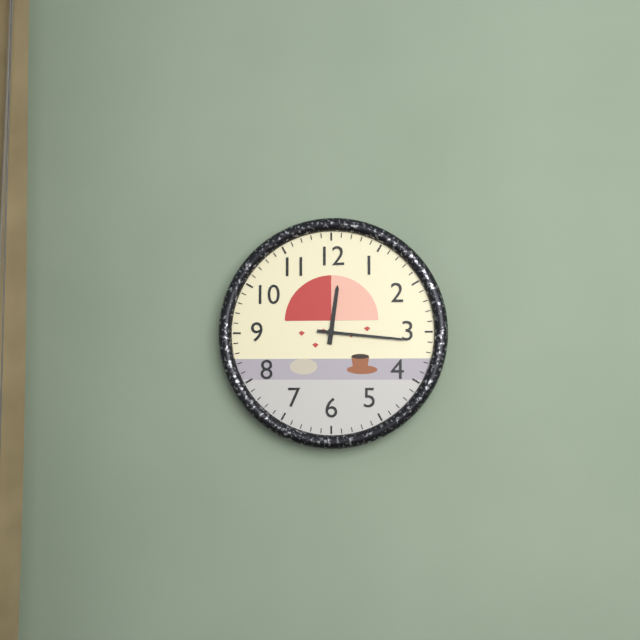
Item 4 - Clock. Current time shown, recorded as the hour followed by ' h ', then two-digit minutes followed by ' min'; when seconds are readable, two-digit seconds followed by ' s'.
12 h 16 min
